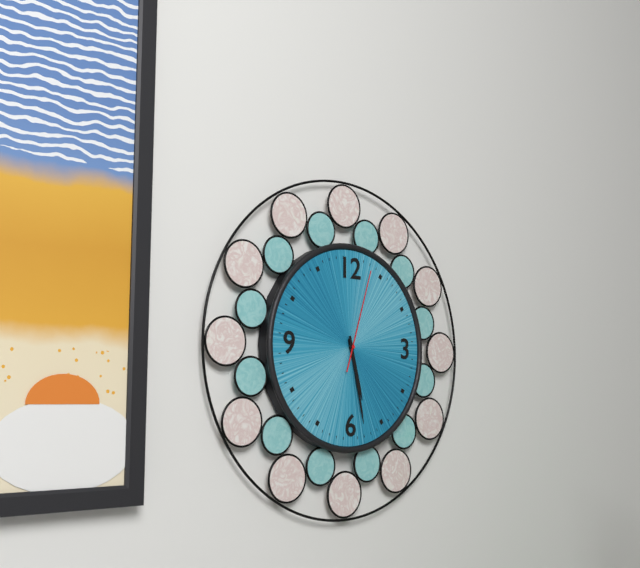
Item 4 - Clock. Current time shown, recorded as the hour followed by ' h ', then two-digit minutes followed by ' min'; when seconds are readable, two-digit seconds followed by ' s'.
5 h 28 min 03 s
